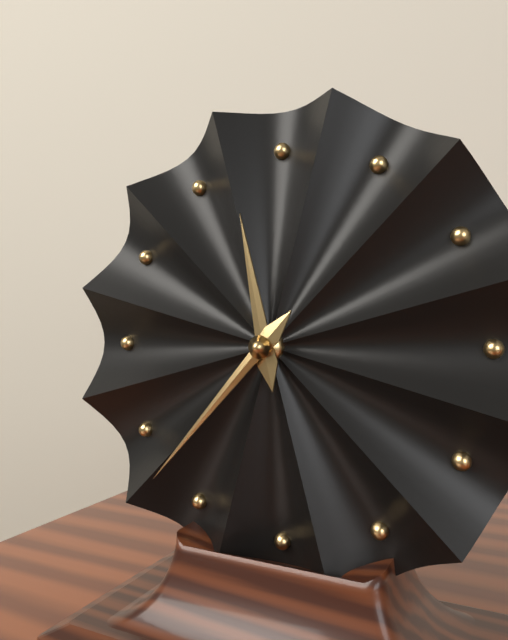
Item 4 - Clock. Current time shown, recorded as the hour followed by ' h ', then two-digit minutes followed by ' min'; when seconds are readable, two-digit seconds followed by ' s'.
11 h 37 min
